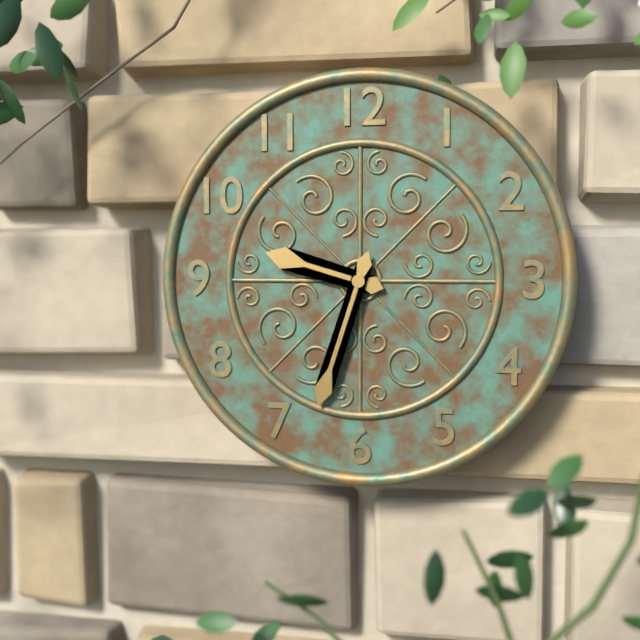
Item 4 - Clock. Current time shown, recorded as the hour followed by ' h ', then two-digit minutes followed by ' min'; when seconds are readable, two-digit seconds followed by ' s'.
9 h 33 min
